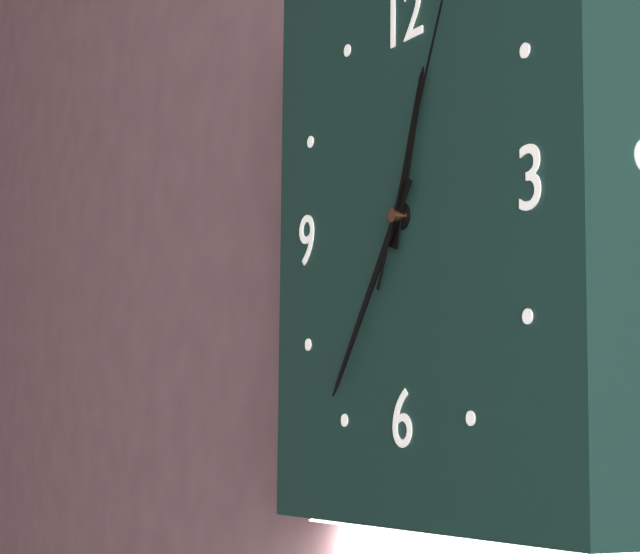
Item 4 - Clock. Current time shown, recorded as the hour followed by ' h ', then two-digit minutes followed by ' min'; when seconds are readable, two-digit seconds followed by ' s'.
12 h 36 min
